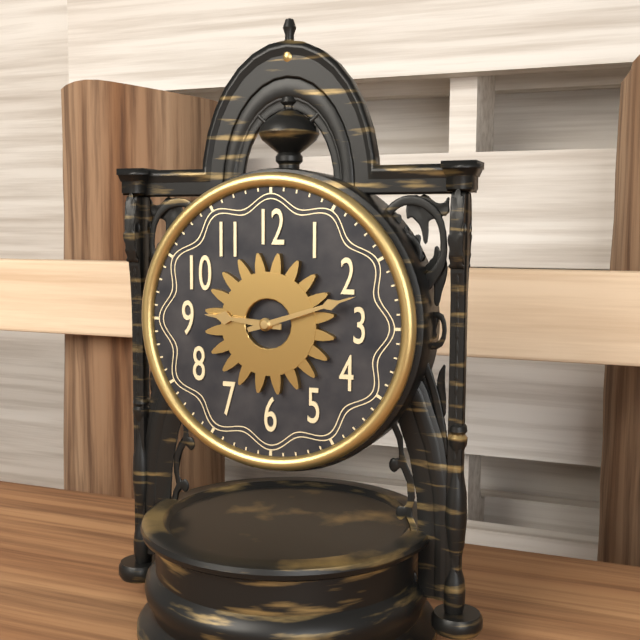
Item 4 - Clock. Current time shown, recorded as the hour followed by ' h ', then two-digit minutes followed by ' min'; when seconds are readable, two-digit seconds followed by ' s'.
9 h 12 min
